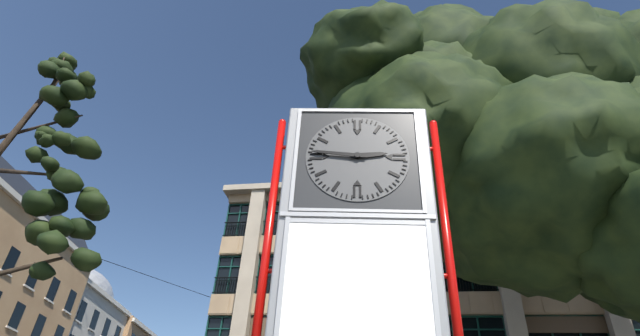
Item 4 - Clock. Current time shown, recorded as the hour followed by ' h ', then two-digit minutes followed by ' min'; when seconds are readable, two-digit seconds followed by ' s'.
2 h 46 min
